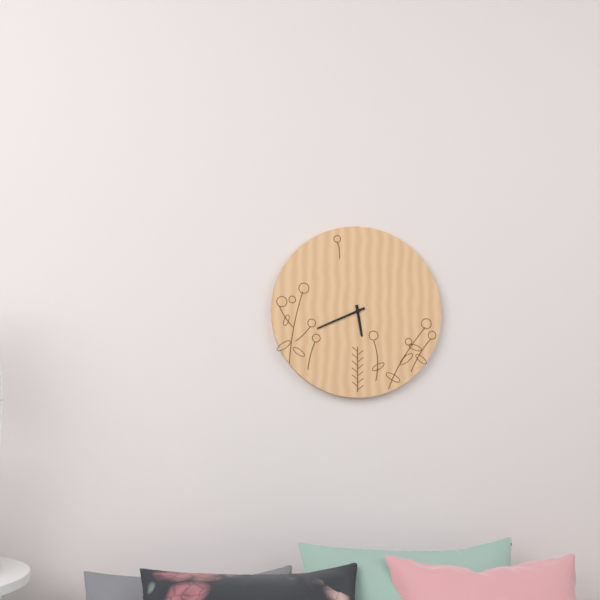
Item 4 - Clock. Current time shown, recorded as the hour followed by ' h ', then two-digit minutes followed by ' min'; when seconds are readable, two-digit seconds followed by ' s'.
5 h 41 min
